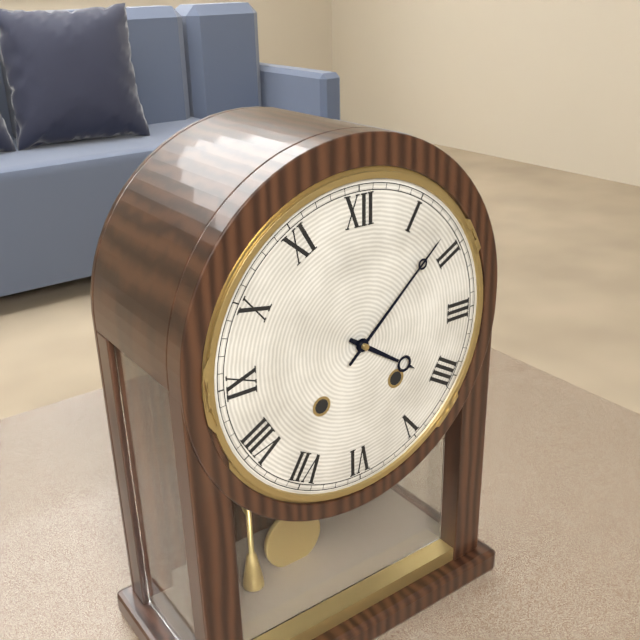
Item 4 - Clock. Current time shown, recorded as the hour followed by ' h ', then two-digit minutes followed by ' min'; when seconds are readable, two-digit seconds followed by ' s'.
4 h 08 min
